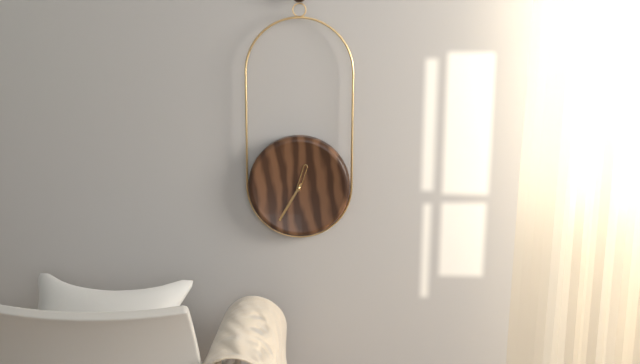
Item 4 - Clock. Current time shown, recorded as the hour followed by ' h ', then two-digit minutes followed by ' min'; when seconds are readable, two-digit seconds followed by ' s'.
12 h 35 min
